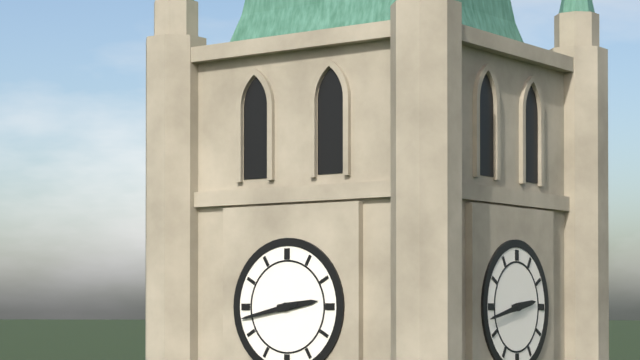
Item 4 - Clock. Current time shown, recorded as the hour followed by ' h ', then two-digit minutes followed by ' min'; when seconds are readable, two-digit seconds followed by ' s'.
2 h 43 min
